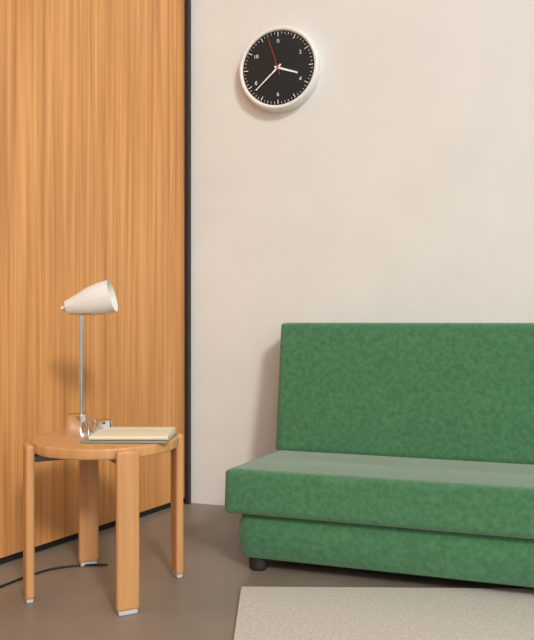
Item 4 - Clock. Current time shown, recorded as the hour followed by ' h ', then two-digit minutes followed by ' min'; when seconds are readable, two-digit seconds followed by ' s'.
3 h 38 min
